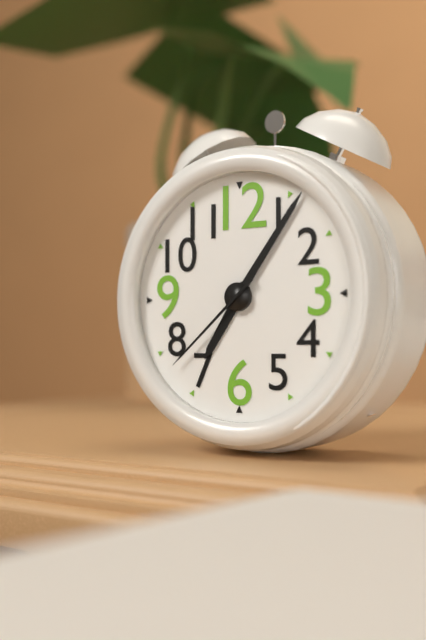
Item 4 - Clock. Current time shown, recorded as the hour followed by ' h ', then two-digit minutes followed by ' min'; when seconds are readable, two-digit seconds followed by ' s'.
7 h 06 min 38 s
